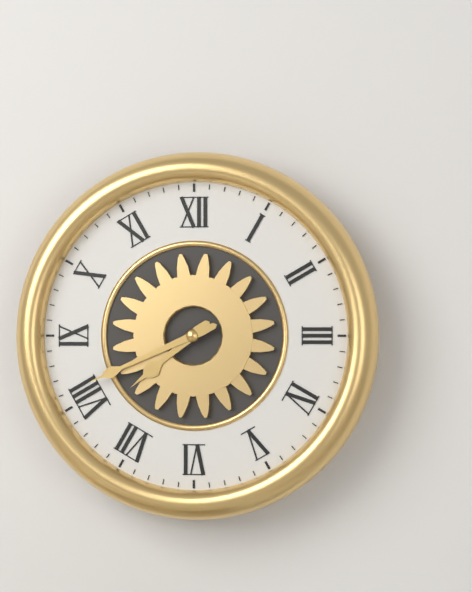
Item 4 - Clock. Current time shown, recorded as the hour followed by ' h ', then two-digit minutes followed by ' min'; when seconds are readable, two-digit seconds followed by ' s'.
7 h 41 min
